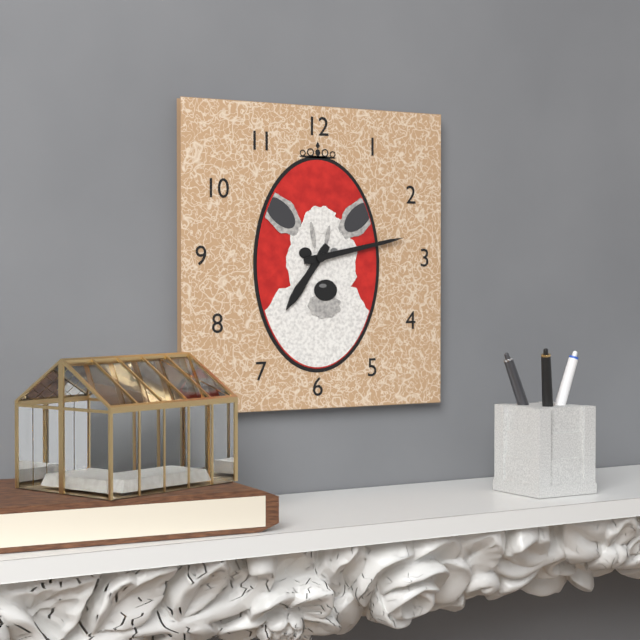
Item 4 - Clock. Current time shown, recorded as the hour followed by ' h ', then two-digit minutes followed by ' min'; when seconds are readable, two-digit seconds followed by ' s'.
7 h 13 min
